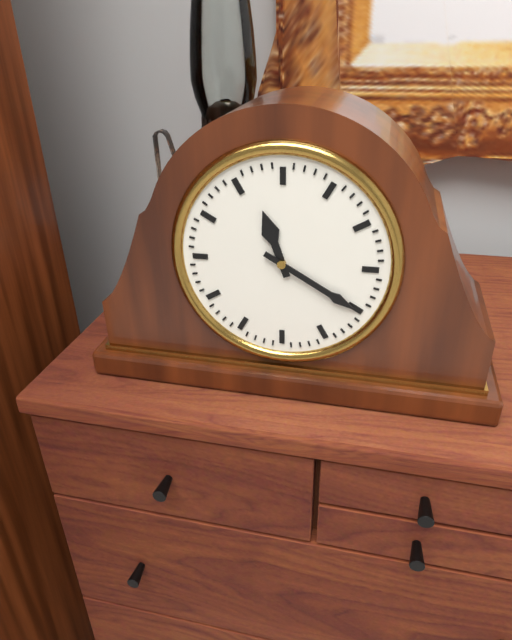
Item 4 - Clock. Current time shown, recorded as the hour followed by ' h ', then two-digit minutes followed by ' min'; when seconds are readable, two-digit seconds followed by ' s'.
11 h 20 min
